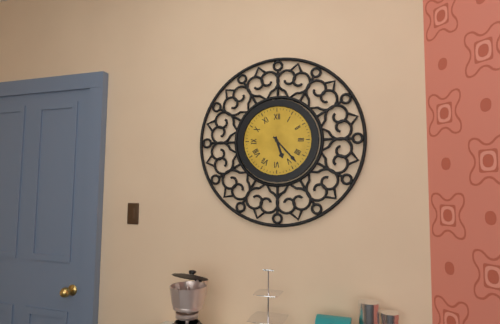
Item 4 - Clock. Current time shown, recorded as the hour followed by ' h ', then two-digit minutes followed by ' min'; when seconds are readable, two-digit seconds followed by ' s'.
5 h 23 min
